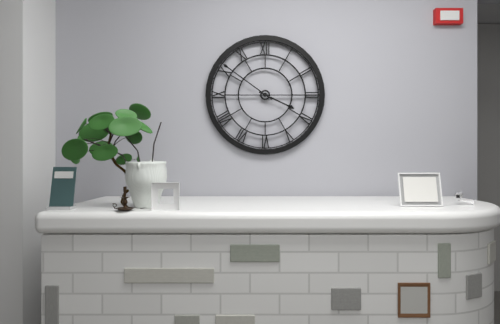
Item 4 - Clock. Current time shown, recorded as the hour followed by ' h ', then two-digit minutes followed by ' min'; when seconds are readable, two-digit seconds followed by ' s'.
3 h 51 min
